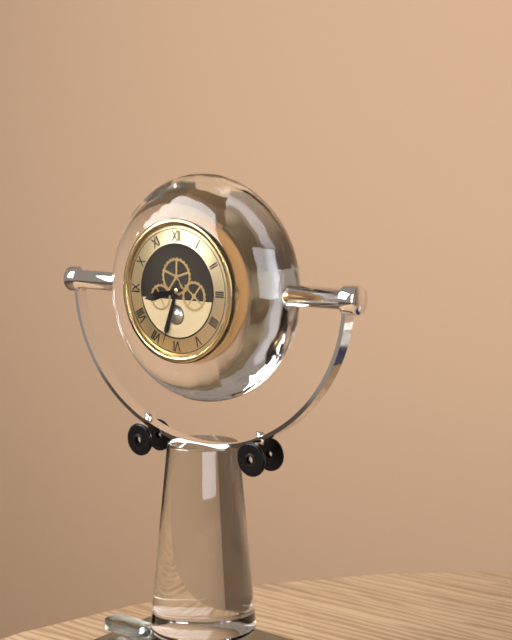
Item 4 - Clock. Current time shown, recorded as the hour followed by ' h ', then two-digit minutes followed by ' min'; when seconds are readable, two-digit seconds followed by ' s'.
8 h 33 min
